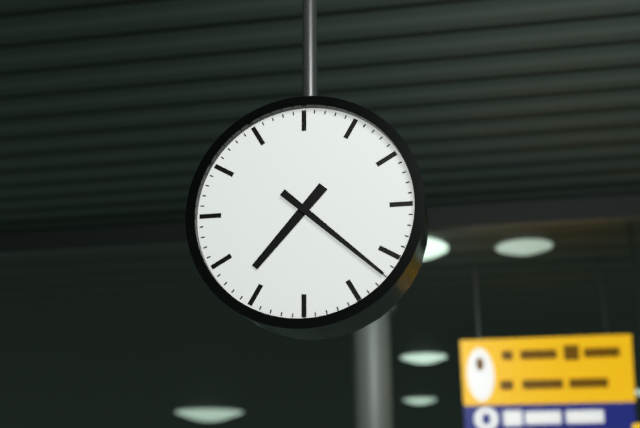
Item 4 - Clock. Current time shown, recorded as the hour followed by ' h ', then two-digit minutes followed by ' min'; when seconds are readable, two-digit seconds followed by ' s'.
7 h 22 min
